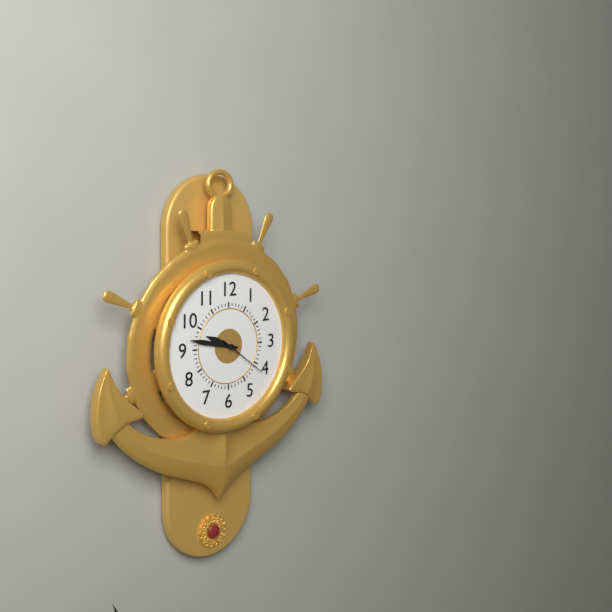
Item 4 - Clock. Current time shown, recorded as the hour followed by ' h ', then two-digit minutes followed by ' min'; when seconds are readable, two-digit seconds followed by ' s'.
9 h 47 min 21 s
